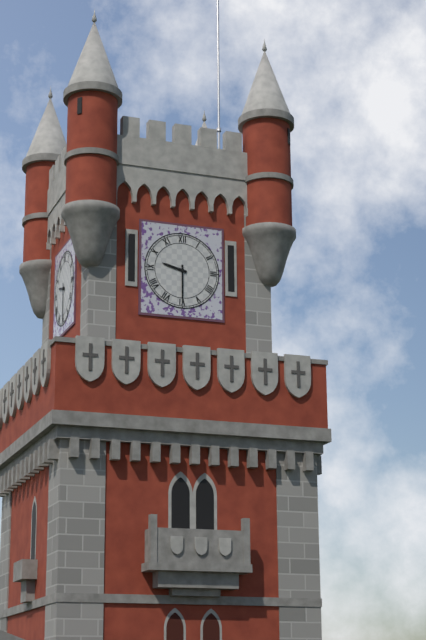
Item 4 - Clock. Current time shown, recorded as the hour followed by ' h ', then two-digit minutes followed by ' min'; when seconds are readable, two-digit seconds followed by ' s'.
9 h 30 min
